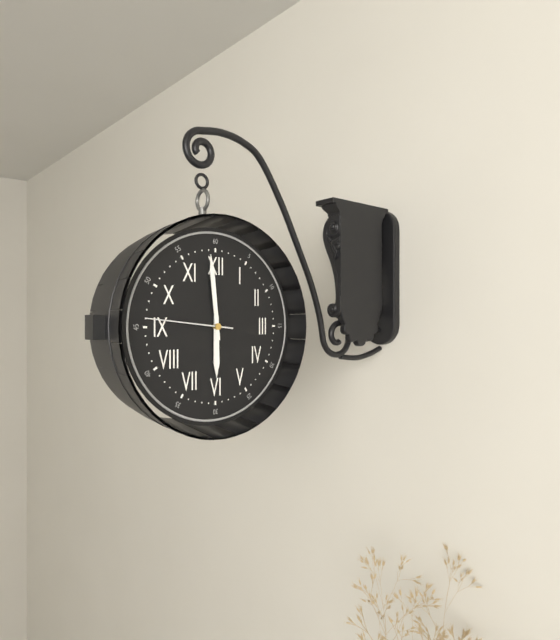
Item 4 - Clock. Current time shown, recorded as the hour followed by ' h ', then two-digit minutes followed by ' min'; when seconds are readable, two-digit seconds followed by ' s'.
5 h 59 min 46 s
